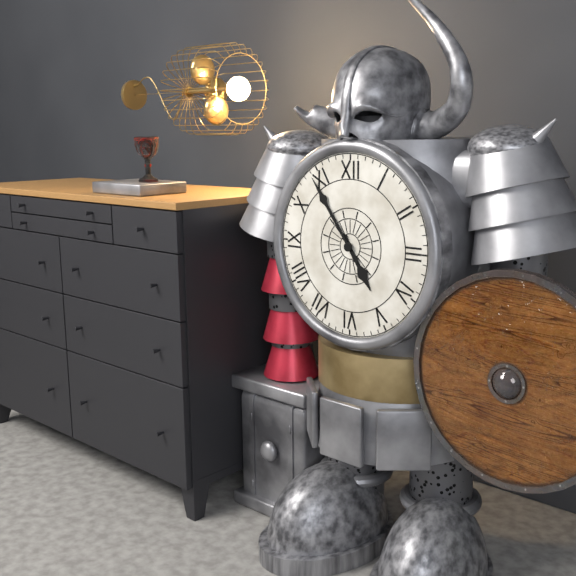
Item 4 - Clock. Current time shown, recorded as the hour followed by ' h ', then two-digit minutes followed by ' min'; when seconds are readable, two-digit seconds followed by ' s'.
4 h 54 min
